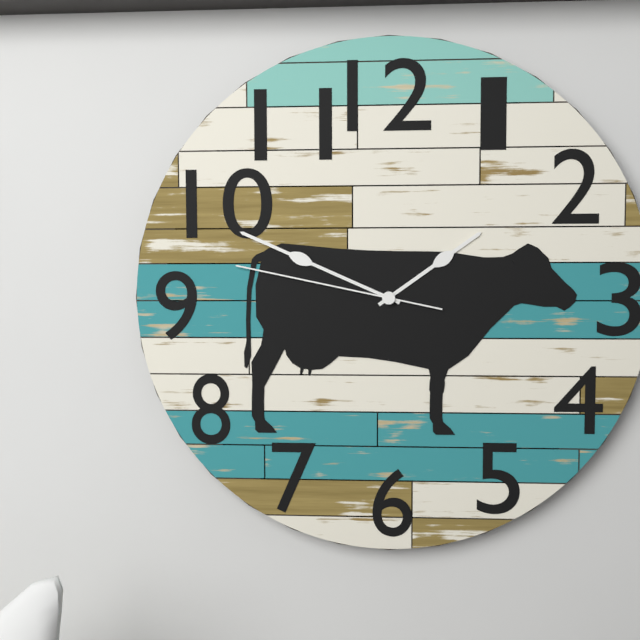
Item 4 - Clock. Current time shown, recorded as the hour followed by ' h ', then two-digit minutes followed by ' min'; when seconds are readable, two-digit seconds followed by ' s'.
1 h 49 min 47 s
